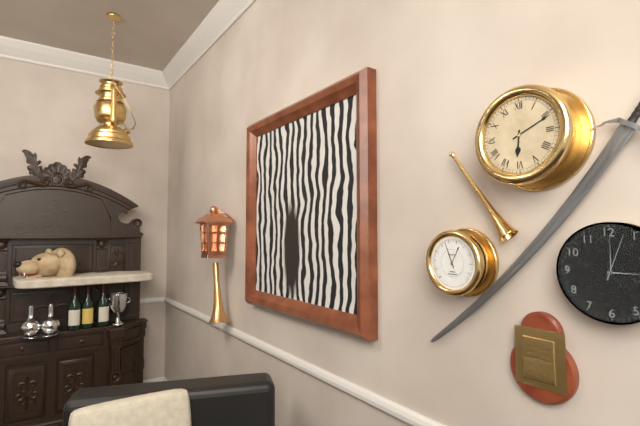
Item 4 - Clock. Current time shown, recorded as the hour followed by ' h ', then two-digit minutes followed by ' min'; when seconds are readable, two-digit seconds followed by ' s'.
6 h 11 min
